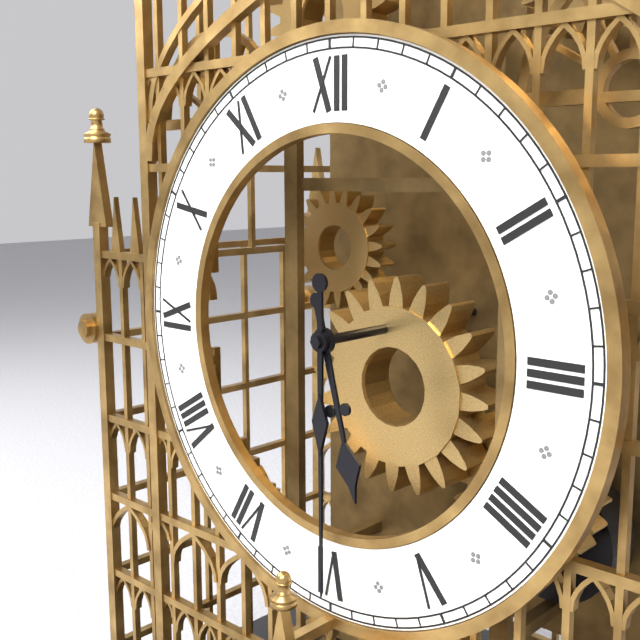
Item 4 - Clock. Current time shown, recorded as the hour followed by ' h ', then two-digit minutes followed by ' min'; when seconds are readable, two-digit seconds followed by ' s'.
5 h 30 min
